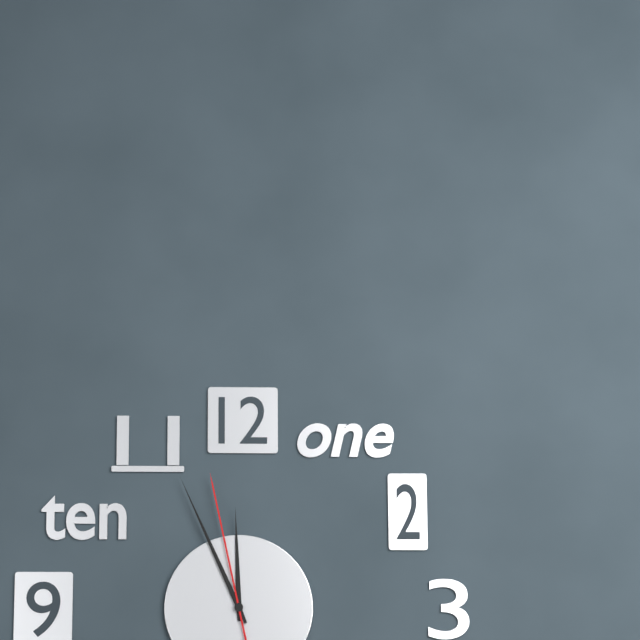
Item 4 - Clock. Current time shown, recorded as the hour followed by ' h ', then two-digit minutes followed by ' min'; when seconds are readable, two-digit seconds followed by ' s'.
11 h 56 min 58 s
